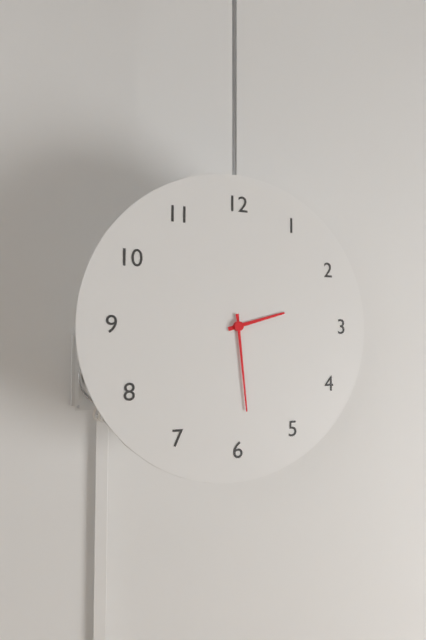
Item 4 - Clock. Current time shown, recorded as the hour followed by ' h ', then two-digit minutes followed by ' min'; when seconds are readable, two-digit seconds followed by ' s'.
2 h 29 min
